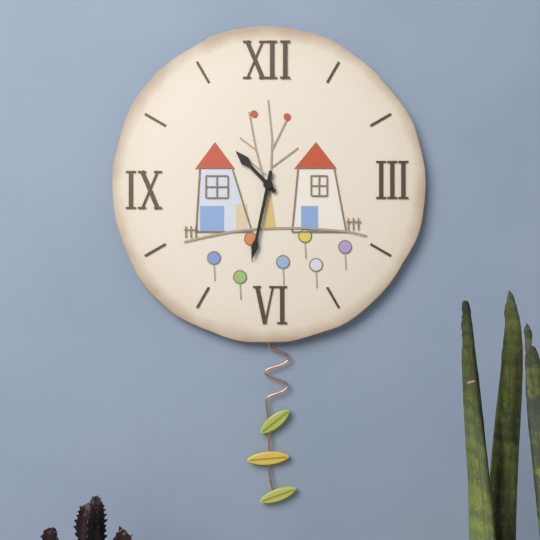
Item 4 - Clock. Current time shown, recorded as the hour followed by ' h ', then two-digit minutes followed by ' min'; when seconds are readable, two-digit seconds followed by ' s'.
10 h 32 min
